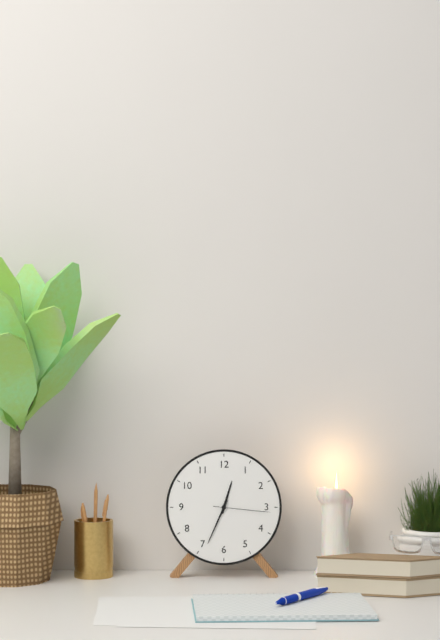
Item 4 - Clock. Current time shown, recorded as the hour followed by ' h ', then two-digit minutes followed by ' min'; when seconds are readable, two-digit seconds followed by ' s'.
12 h 34 min 16 s
